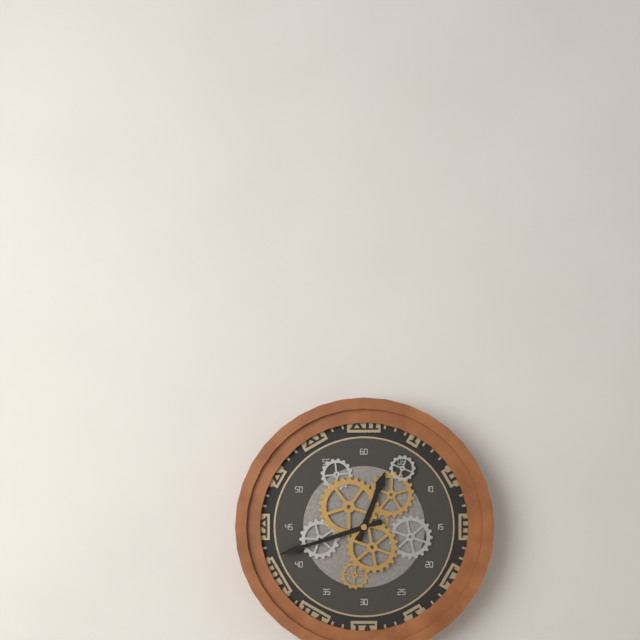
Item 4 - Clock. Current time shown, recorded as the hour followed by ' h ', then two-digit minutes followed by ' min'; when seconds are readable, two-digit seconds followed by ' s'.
12 h 42 min
